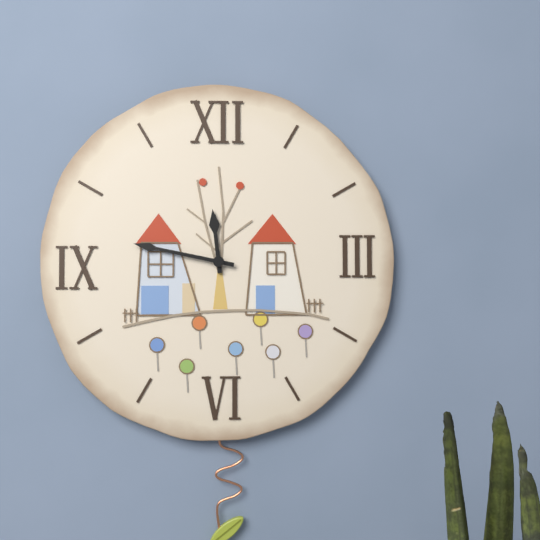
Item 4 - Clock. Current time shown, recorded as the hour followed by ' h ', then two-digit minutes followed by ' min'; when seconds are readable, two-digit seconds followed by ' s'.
11 h 47 min
